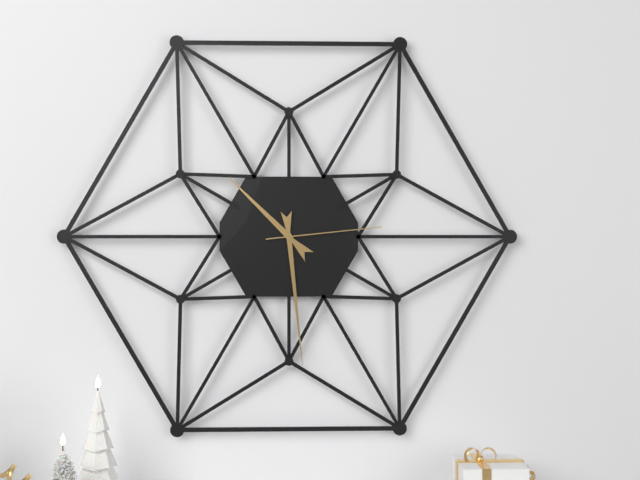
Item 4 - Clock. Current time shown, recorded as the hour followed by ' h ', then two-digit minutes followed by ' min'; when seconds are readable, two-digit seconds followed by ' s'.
10 h 29 min 14 s
